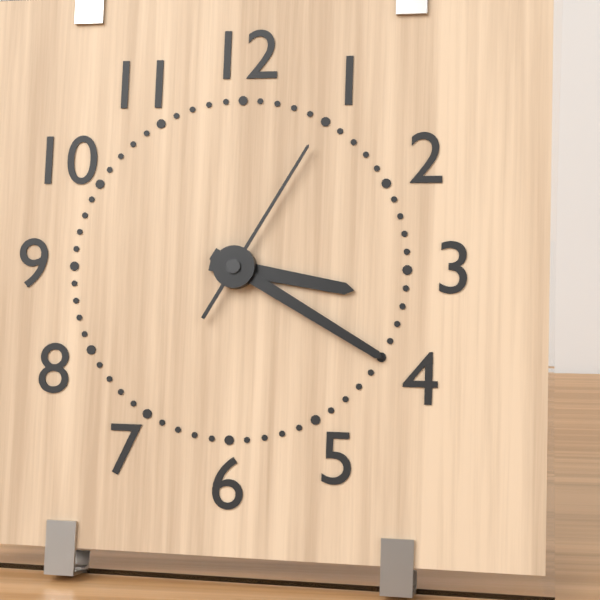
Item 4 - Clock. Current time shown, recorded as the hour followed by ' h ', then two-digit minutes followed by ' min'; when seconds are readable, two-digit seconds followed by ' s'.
3 h 20 min 05 s
